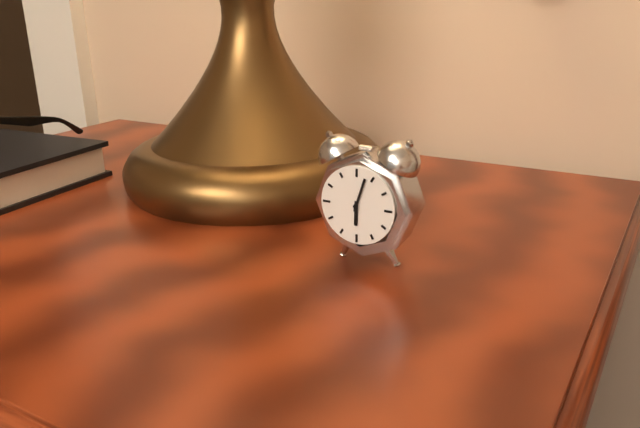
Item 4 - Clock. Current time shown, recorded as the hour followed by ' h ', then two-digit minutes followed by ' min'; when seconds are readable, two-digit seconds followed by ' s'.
6 h 03 min
